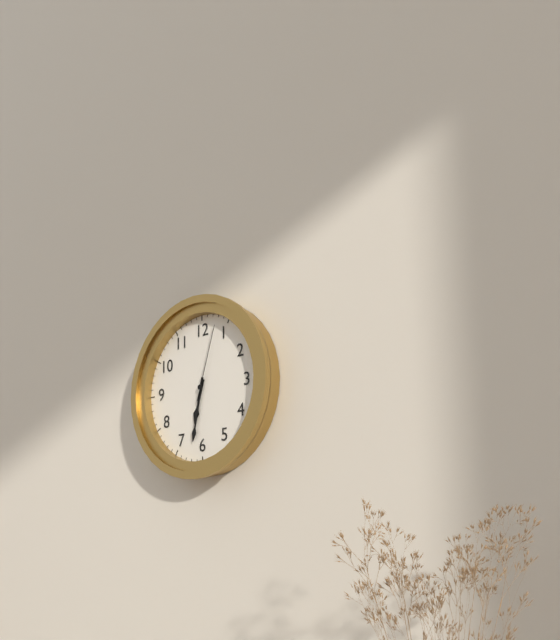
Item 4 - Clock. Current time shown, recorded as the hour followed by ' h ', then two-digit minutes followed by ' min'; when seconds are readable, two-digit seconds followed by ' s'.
6 h 32 min 03 s
